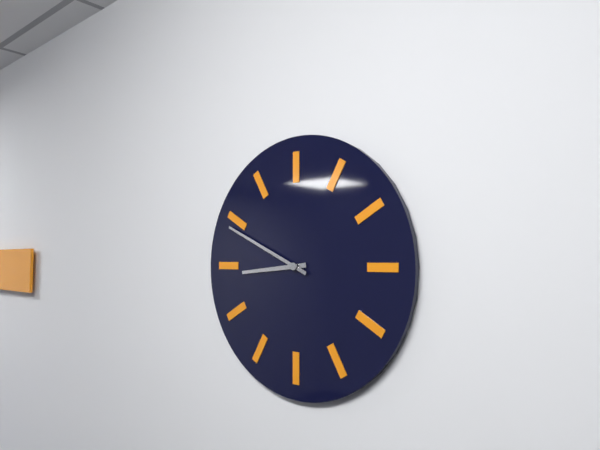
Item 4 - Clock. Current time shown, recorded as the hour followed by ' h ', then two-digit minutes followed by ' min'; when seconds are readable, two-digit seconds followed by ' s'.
8 h 49 min
